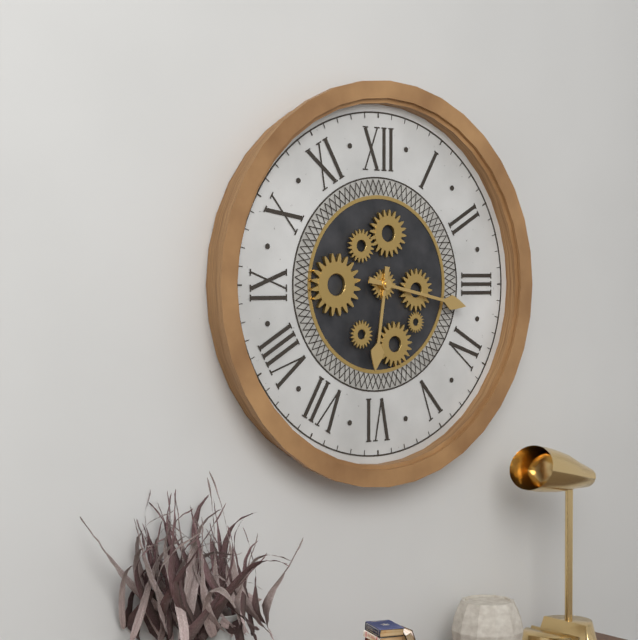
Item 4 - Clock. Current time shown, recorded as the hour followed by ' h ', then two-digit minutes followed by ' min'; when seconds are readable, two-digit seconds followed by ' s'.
6 h 17 min
